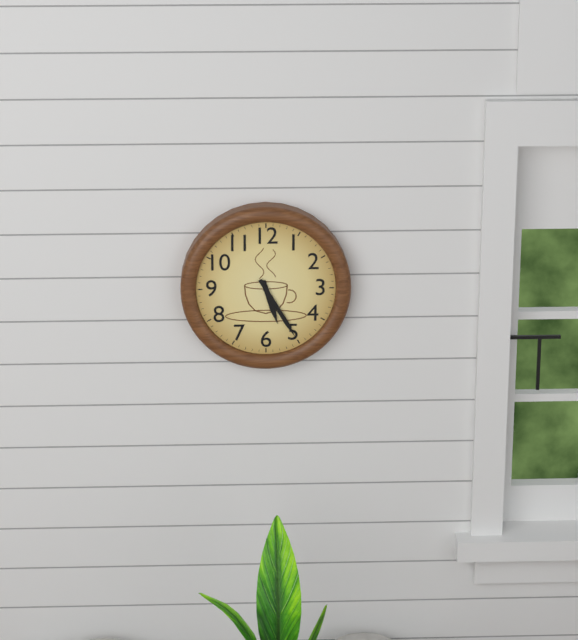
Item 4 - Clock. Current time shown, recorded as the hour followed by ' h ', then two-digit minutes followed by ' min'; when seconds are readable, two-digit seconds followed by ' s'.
5 h 25 min
